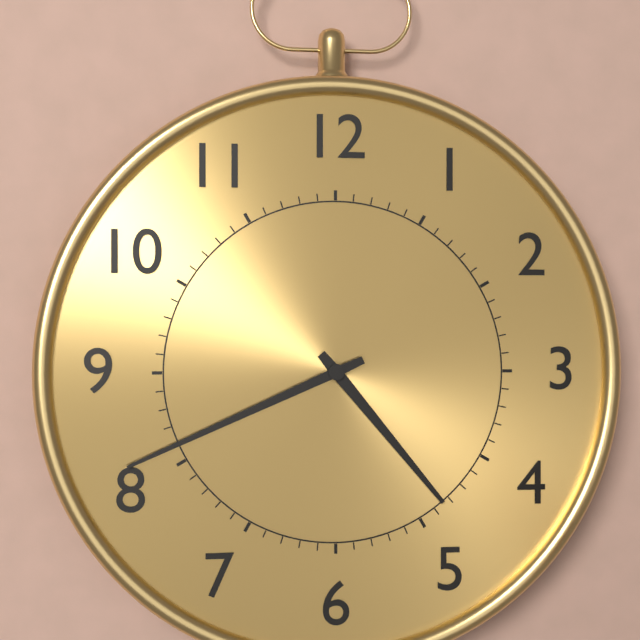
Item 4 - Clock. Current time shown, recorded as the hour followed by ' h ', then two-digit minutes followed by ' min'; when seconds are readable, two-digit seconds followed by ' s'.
4 h 41 min
